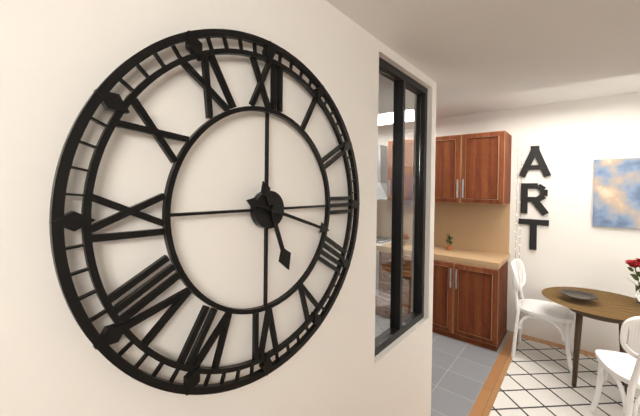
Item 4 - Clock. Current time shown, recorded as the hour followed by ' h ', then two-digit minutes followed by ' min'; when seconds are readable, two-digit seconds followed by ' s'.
5 h 18 min
